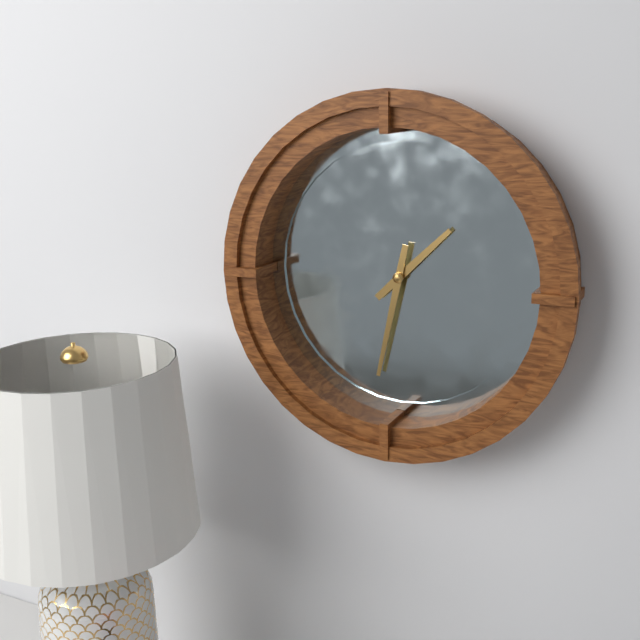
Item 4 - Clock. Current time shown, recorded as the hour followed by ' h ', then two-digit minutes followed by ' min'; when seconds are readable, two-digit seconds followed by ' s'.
1 h 32 min
